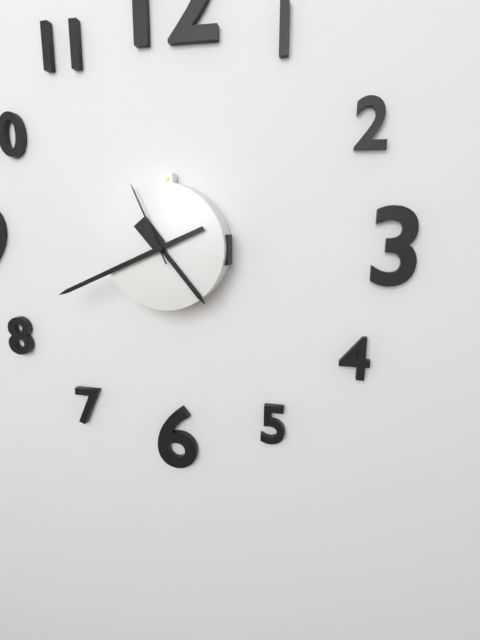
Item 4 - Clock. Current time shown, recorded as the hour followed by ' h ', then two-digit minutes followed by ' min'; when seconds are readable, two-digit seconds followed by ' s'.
4 h 41 min 56 s
